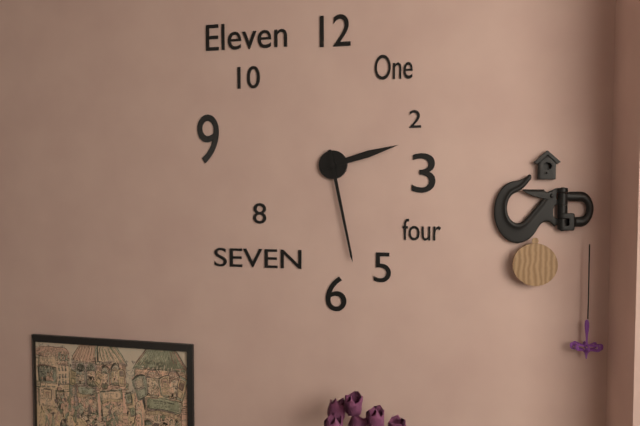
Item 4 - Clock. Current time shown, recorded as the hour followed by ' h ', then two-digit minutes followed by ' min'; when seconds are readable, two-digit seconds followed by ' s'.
2 h 28 min
